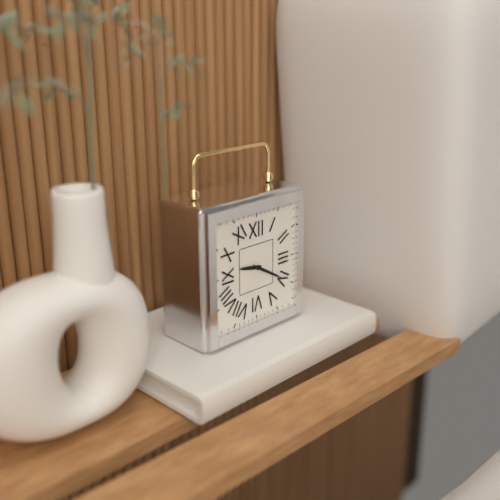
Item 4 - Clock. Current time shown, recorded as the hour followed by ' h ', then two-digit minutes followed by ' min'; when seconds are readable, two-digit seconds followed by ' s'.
9 h 20 min
